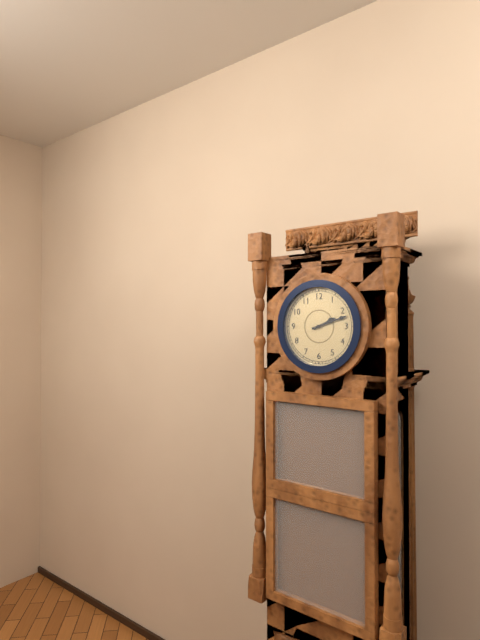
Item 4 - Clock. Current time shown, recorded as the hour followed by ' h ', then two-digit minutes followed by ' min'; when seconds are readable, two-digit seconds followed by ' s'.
2 h 12 min
